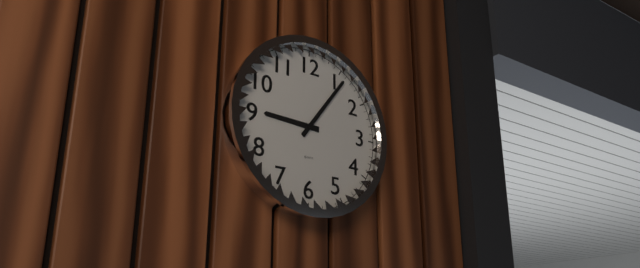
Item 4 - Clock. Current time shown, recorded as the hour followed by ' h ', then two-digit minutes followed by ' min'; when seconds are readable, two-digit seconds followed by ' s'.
9 h 06 min
